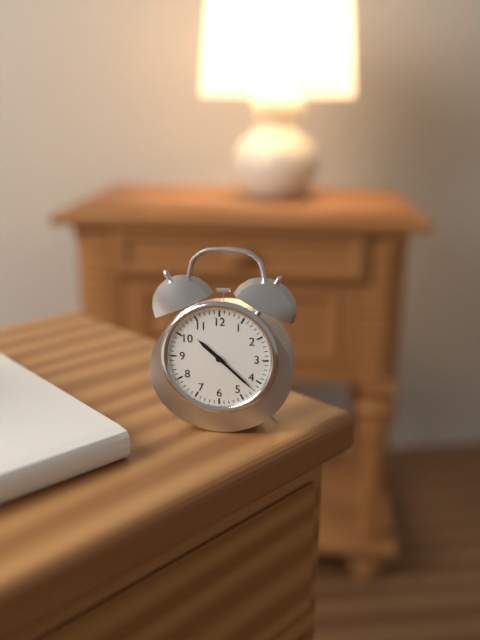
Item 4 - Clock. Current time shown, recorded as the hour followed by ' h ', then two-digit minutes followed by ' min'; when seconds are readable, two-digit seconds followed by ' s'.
10 h 22 min
